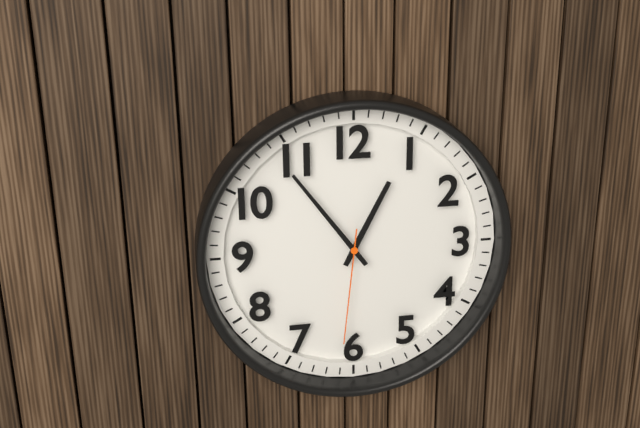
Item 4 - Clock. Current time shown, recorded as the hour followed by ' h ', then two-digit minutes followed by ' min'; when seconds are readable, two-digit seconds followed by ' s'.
12 h 54 min 31 s
